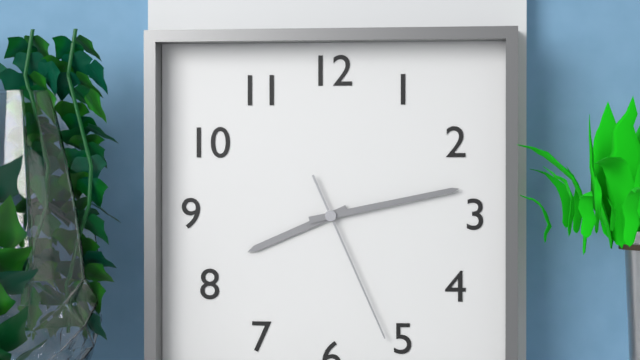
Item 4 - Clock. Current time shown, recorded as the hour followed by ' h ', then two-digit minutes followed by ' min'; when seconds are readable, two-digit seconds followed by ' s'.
8 h 13 min 26 s
